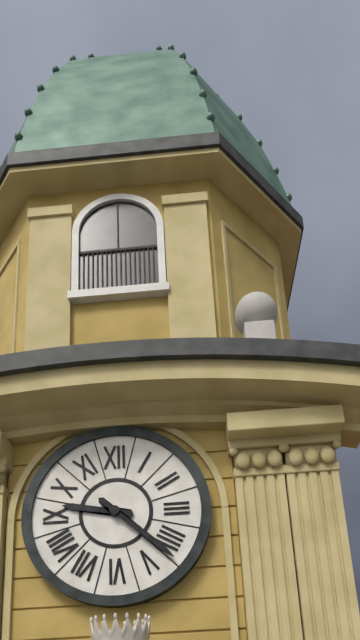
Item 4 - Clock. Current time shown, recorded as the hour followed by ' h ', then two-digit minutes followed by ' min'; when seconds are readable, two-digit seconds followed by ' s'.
9 h 22 min
